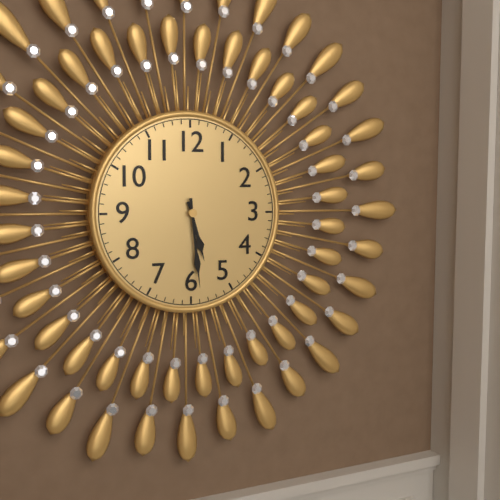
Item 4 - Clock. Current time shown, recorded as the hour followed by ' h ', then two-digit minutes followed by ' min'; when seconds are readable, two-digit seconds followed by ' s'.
5 h 29 min
